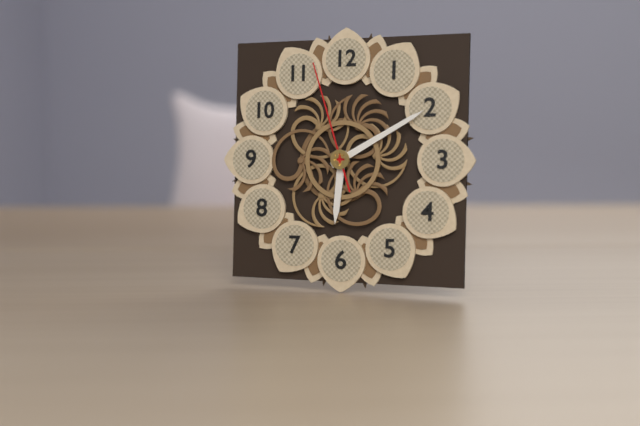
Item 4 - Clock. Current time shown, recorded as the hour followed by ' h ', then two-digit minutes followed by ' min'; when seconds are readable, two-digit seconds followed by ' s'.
6 h 10 min 57 s
